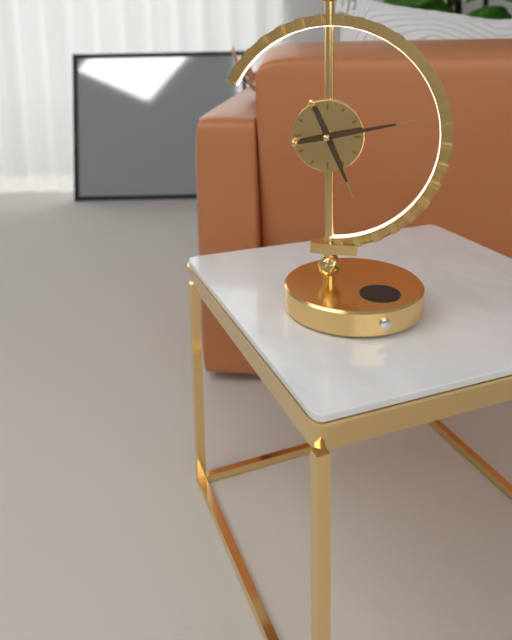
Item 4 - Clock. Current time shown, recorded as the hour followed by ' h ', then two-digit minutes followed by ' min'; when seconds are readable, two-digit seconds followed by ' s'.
5 h 13 min
